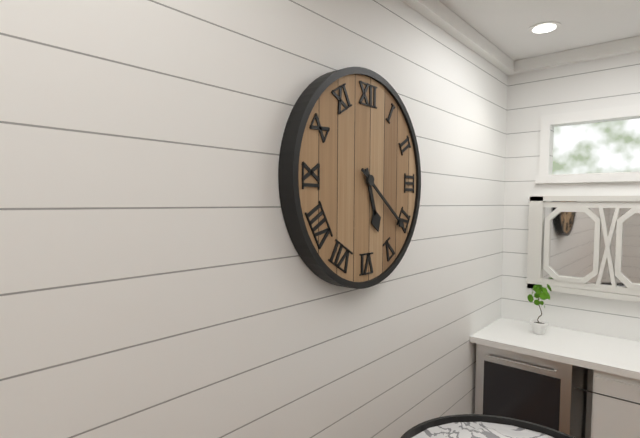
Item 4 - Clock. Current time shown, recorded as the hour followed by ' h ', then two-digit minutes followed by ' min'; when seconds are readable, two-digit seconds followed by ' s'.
5 h 21 min
